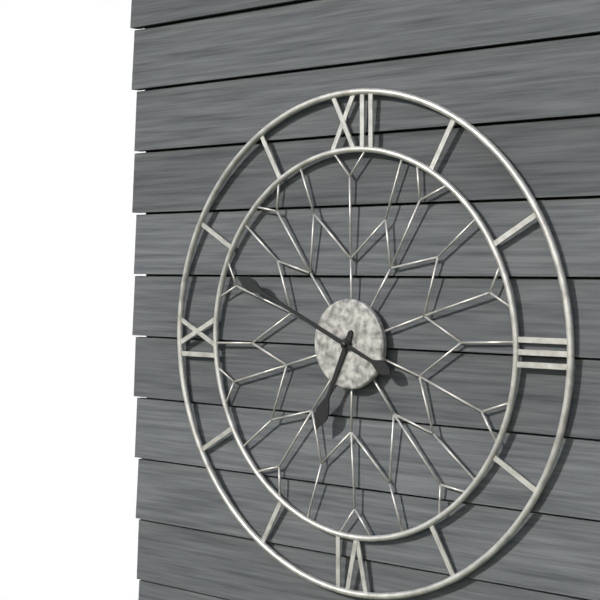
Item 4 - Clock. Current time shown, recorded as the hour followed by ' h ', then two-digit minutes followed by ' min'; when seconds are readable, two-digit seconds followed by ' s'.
6 h 49 min
